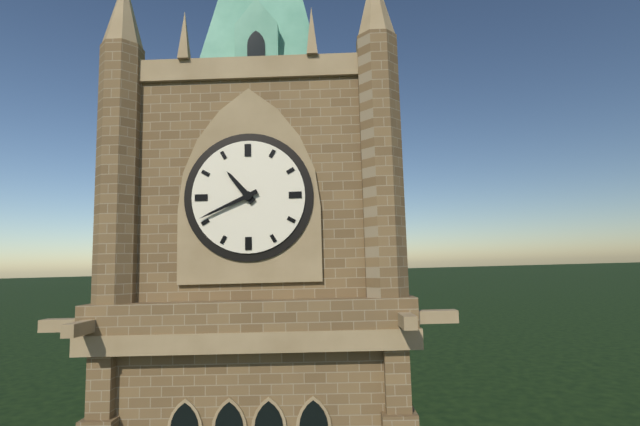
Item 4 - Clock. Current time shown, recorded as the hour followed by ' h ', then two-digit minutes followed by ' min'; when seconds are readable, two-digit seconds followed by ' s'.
10 h 41 min
